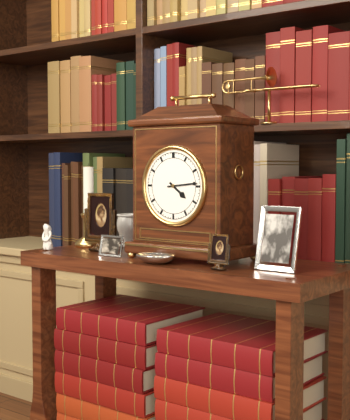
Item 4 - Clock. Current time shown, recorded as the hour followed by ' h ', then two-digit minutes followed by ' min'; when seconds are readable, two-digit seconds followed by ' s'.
4 h 14 min
